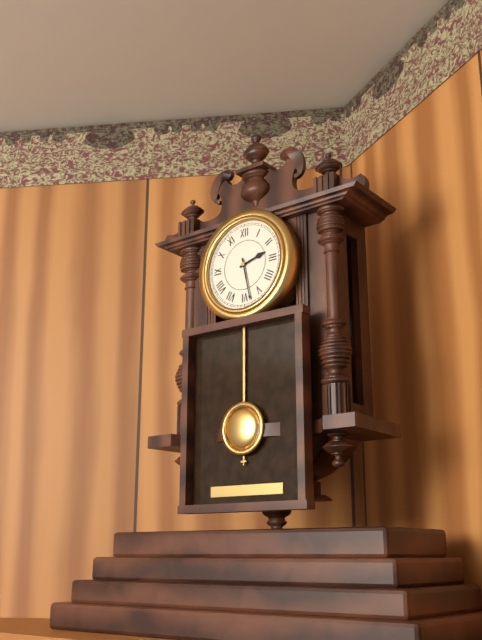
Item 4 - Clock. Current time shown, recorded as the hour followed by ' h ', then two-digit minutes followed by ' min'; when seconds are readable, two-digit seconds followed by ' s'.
2 h 28 min
